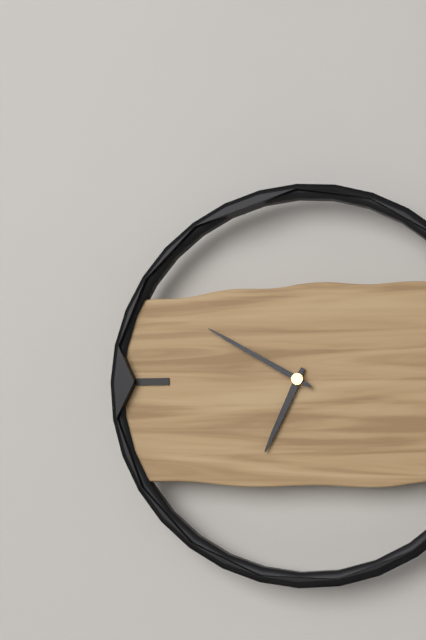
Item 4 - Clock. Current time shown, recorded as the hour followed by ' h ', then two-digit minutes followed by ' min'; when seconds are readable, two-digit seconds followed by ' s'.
6 h 50 min
